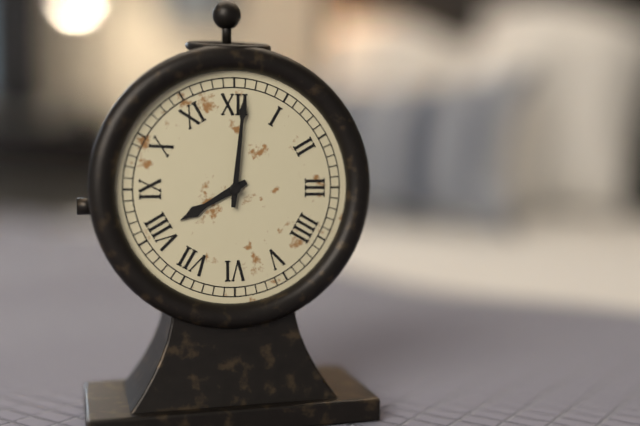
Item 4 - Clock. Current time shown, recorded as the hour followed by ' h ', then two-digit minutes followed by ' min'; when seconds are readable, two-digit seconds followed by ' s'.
8 h 01 min
